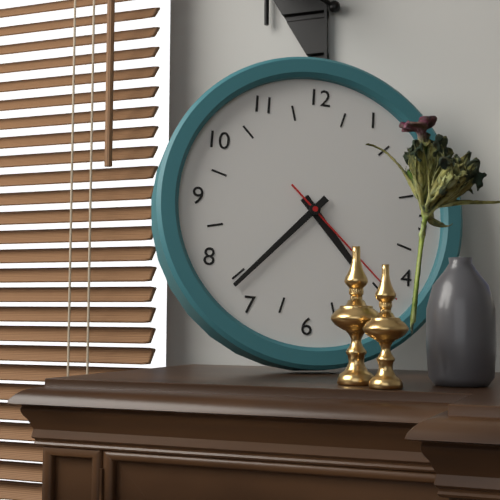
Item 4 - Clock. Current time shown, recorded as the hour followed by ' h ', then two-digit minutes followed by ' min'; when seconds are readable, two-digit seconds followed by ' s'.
4 h 37 min 22 s
